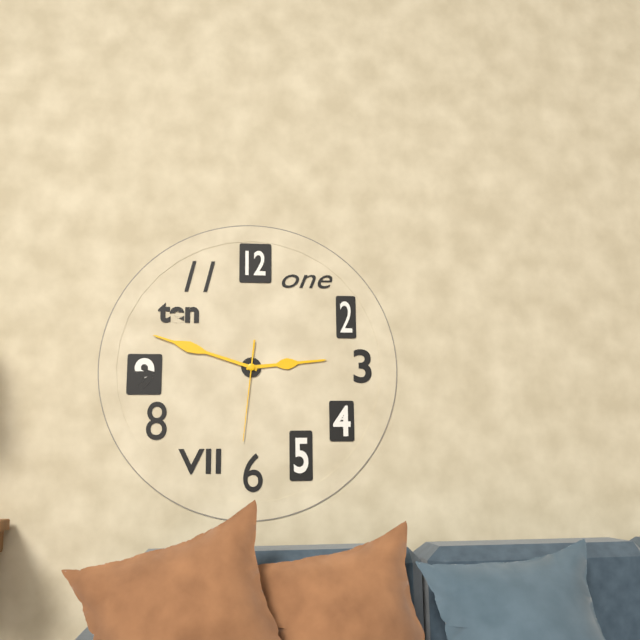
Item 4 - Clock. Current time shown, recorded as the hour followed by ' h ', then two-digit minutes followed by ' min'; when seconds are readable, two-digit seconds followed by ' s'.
2 h 48 min 31 s
